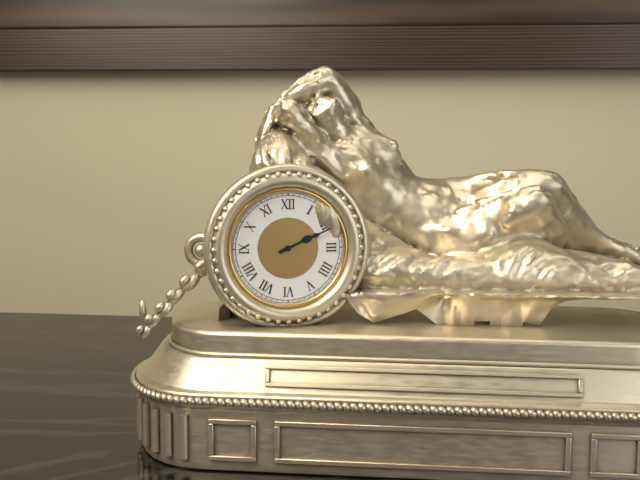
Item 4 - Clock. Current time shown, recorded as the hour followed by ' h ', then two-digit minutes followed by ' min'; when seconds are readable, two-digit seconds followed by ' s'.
2 h 11 min
